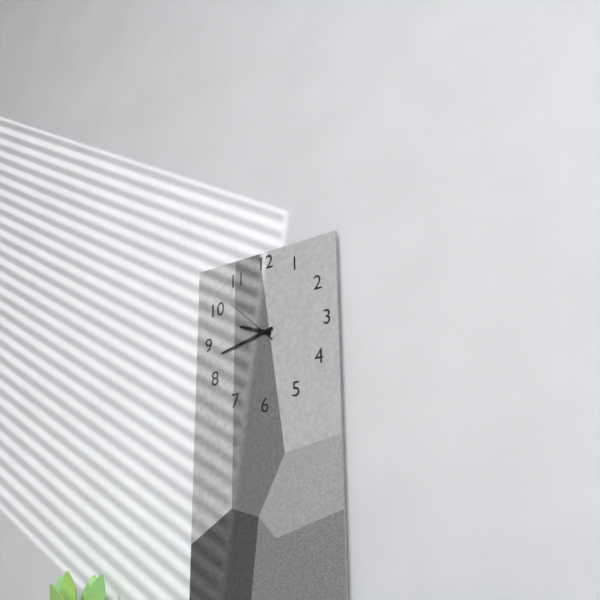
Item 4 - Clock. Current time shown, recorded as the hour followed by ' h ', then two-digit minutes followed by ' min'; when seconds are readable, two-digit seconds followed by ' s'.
9 h 43 min 52 s
